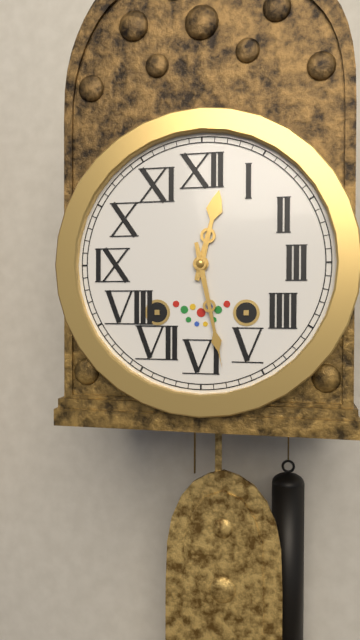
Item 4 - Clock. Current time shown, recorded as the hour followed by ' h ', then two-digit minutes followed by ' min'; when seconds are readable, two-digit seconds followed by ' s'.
12 h 28 min
